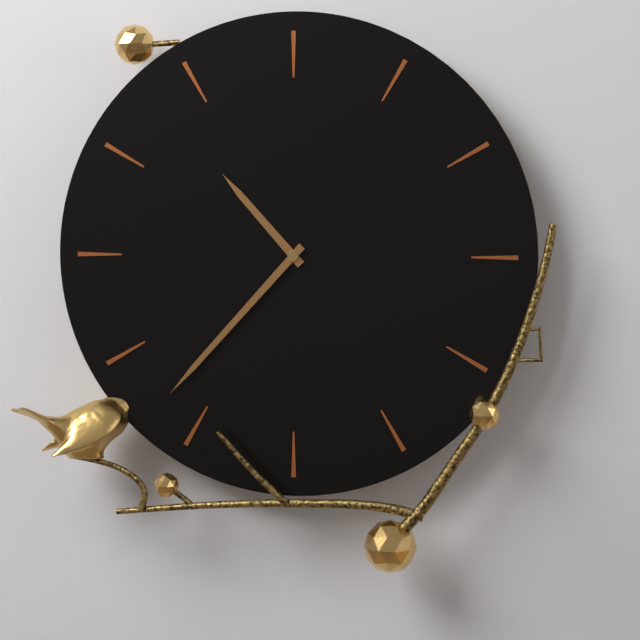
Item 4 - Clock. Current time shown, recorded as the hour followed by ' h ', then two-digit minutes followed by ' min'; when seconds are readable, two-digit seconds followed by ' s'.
10 h 37 min
